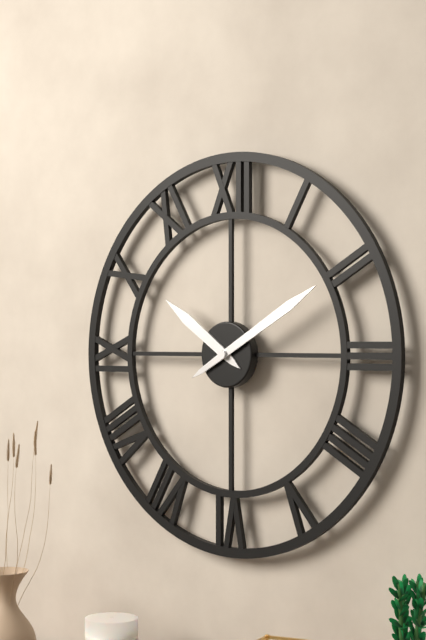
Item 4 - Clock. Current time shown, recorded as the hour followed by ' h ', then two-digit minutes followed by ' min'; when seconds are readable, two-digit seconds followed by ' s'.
10 h 10 min
